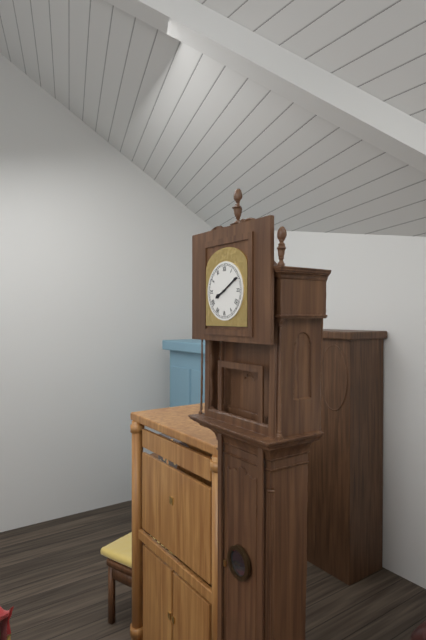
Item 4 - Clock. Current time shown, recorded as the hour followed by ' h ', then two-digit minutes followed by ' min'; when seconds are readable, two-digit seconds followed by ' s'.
8 h 10 min
